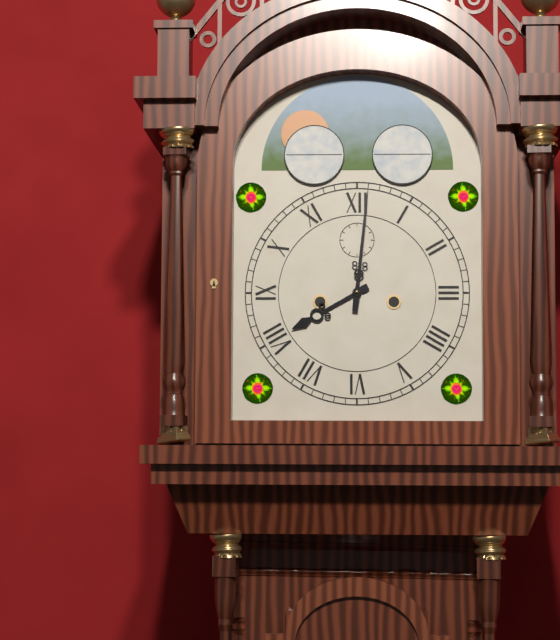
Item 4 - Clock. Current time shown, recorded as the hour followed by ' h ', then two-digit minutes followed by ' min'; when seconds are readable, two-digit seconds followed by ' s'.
8 h 01 min
